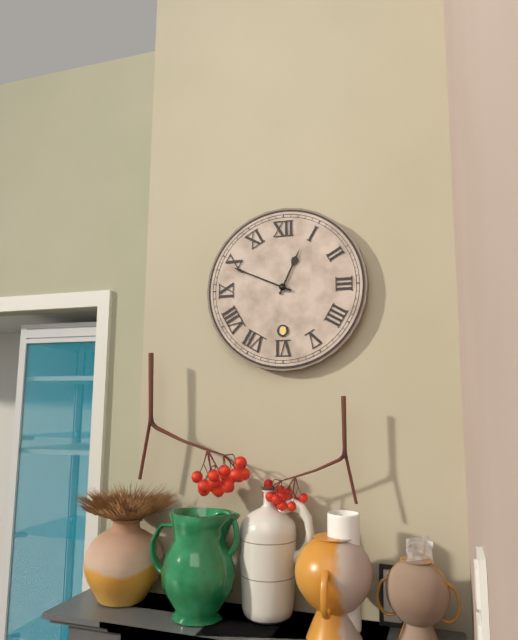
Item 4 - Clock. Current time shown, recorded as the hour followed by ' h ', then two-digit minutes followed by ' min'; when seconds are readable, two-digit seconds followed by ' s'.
12 h 49 min
